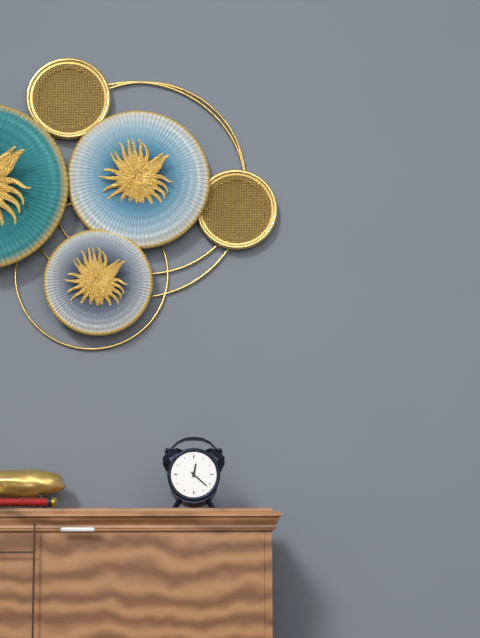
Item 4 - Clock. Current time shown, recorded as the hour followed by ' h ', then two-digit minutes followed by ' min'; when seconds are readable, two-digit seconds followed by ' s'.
12 h 22 min
